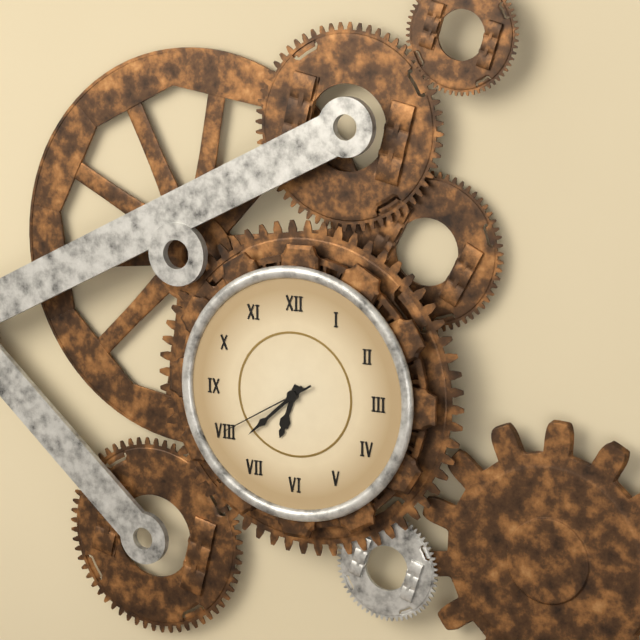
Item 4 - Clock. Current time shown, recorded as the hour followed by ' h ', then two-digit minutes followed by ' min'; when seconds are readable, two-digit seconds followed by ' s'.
6 h 38 min 40 s
